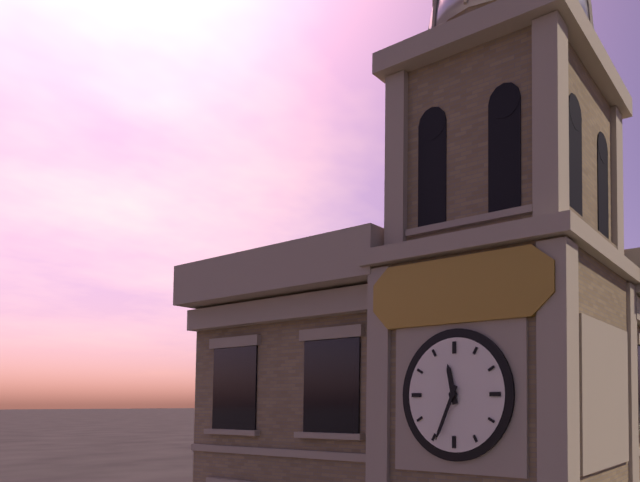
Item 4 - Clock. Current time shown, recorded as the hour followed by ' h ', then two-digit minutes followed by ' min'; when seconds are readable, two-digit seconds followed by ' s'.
11 h 34 min
